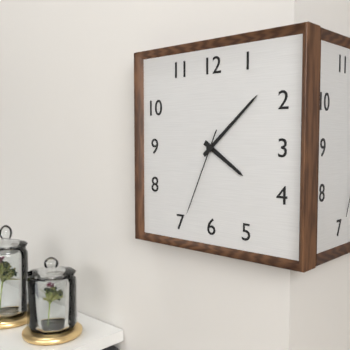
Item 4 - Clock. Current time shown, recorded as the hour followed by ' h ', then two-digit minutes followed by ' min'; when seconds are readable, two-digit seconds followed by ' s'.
4 h 08 min 34 s
